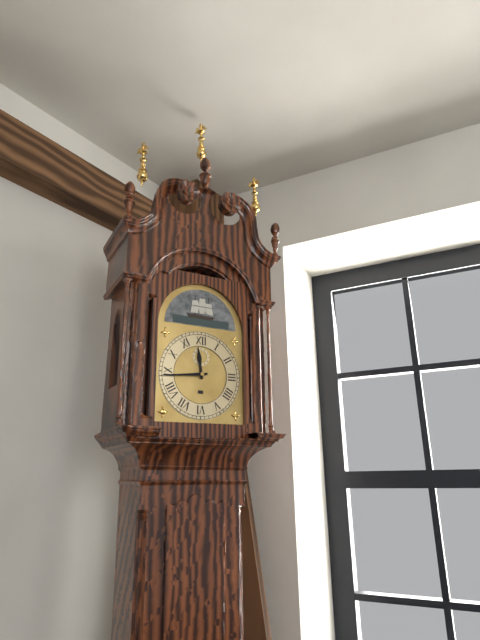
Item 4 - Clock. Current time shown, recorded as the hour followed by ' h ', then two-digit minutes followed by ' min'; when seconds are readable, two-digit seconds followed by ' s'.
11 h 44 min
